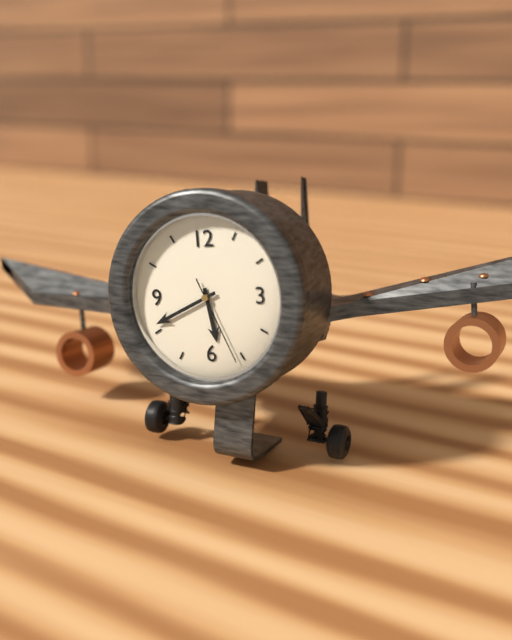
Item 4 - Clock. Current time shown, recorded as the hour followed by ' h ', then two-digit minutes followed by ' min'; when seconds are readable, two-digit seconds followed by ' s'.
5 h 41 min 26 s
